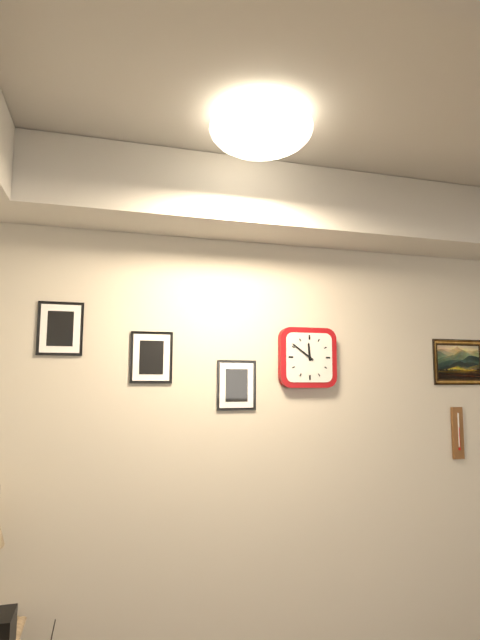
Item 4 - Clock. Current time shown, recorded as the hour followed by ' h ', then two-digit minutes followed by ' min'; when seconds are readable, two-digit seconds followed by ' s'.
11 h 51 min
